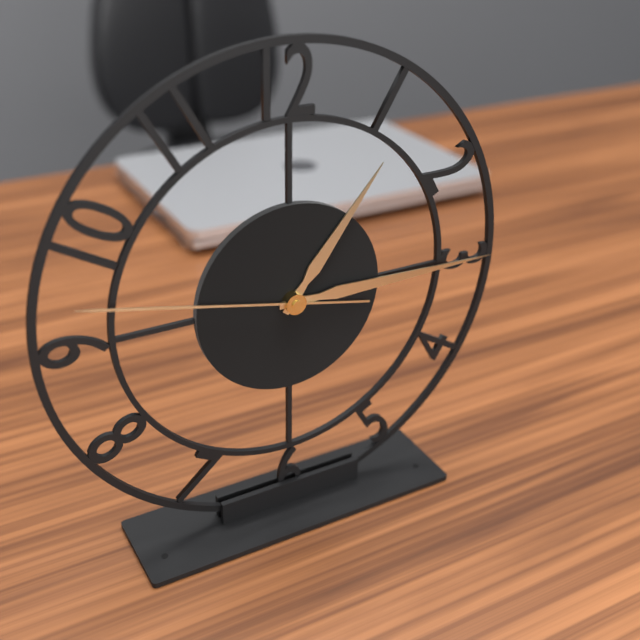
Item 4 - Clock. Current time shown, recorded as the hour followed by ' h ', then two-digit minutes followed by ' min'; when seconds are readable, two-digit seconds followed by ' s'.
1 h 15 min 47 s
